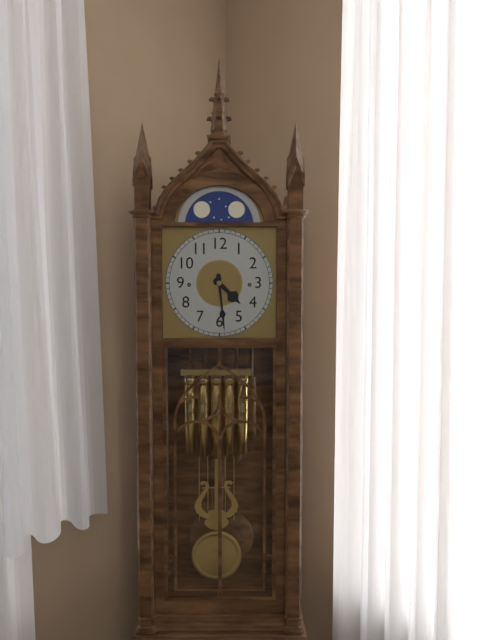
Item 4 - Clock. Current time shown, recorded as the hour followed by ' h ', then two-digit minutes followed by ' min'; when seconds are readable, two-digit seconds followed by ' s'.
4 h 29 min
